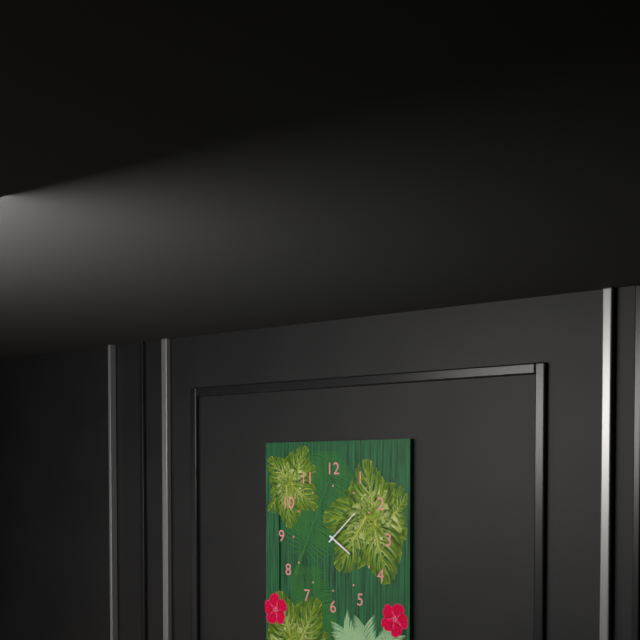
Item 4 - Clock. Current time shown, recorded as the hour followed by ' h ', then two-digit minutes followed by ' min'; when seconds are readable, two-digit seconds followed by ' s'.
4 h 08 min
